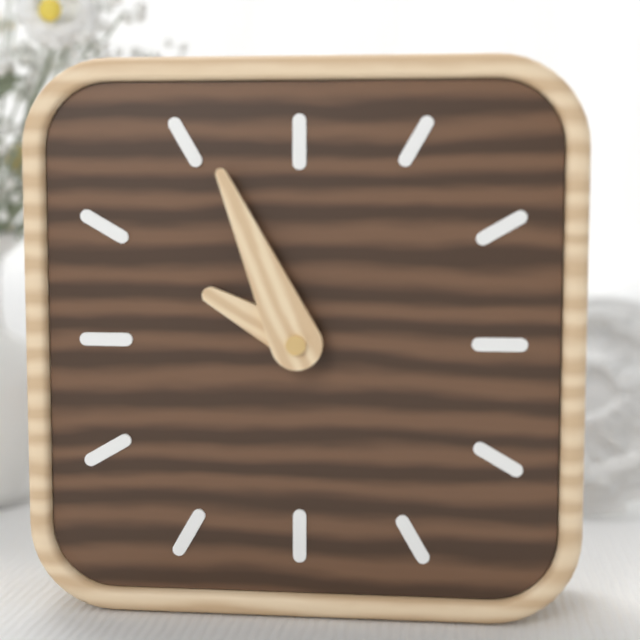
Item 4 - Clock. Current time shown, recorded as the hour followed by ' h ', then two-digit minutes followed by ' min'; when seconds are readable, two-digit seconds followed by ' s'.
9 h 56 min
